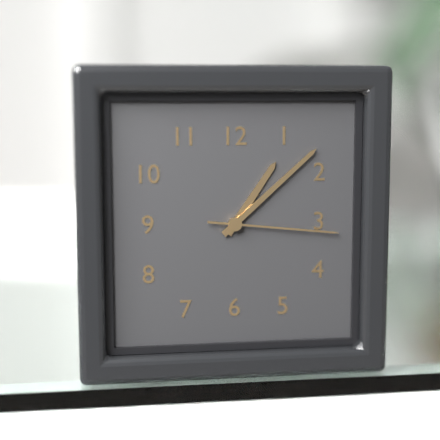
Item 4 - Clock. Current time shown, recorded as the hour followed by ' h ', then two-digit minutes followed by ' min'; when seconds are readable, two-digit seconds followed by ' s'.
1 h 08 min 16 s
